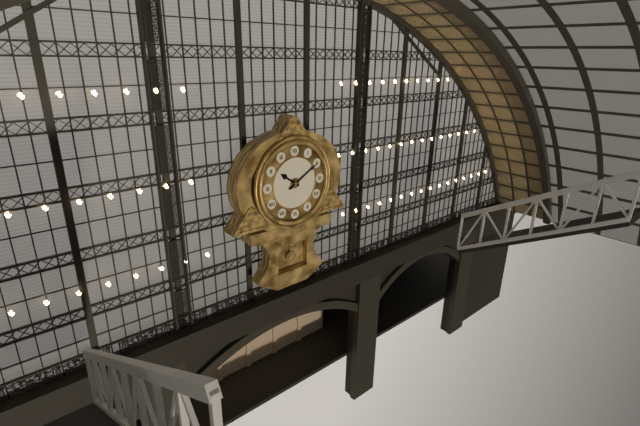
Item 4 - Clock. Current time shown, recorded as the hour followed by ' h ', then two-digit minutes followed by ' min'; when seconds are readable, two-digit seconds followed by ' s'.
10 h 10 min
